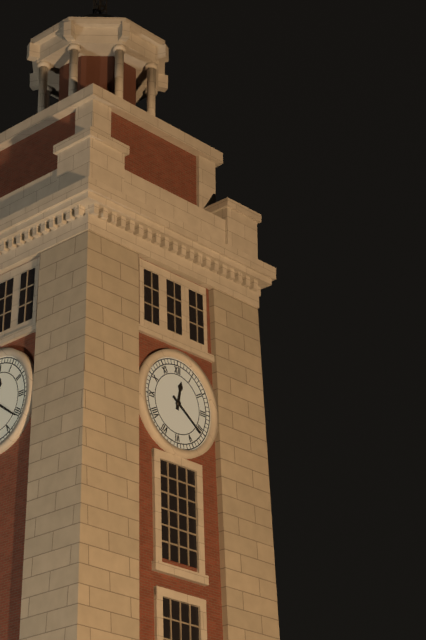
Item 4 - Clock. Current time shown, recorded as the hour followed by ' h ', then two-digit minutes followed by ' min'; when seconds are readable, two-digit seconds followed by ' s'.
12 h 21 min
